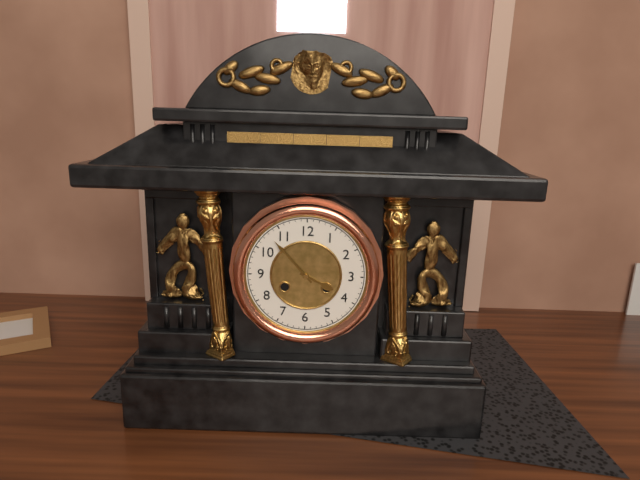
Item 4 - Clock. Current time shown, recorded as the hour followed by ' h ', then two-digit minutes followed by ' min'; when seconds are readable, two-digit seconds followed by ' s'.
3 h 53 min
